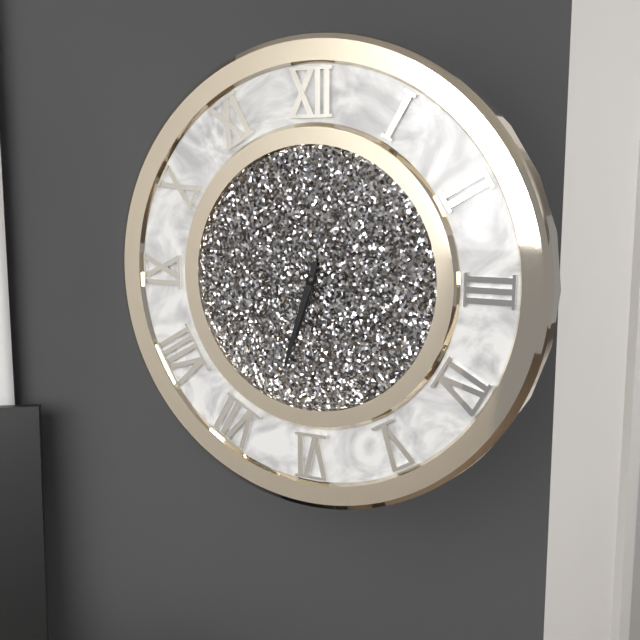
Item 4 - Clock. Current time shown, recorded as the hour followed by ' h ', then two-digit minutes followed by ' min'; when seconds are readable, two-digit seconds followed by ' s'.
6 h 33 min
